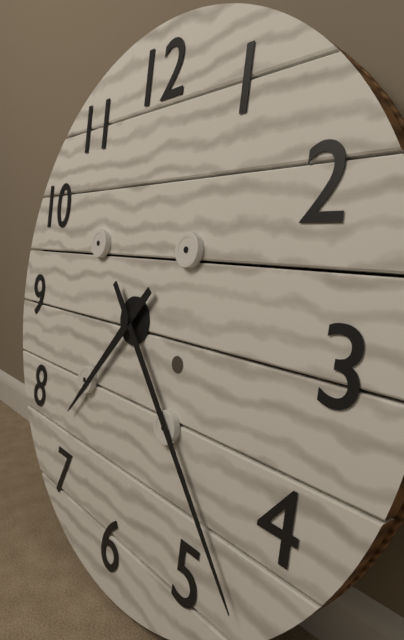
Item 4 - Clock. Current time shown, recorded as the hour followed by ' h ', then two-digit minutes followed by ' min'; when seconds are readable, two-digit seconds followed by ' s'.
7 h 23 min
